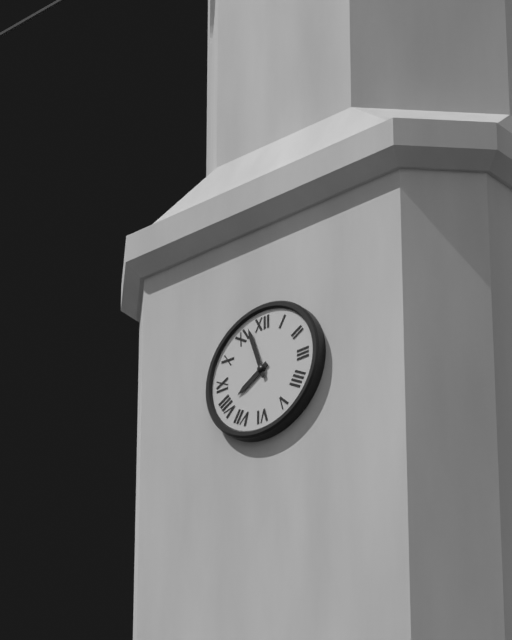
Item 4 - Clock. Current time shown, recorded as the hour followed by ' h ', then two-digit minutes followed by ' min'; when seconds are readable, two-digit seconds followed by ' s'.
7 h 57 min
